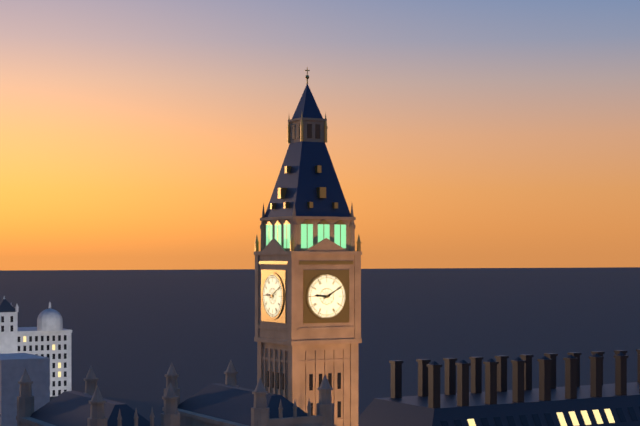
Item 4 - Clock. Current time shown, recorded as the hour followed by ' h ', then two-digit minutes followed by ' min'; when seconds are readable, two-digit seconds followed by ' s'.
9 h 10 min
